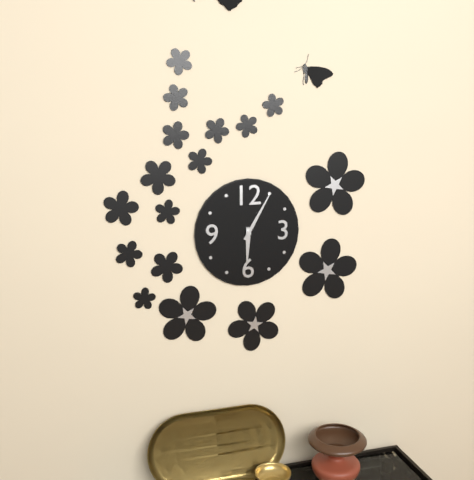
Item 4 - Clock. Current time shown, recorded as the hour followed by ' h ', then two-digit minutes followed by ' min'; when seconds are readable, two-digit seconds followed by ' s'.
6 h 05 min
